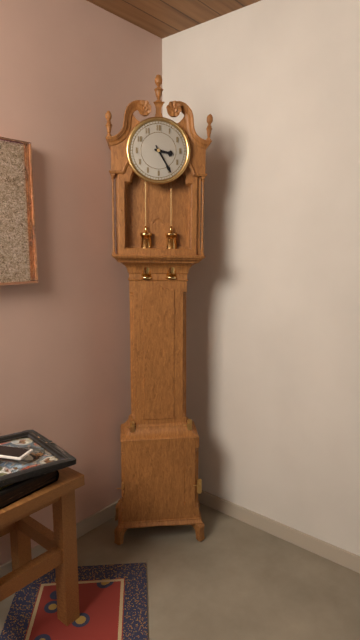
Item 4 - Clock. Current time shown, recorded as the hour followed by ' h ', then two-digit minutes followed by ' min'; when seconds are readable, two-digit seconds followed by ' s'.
3 h 25 min
